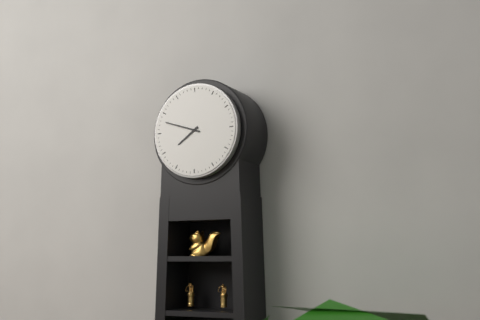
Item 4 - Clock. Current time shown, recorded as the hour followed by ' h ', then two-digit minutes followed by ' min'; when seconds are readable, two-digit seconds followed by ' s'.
7 h 48 min
